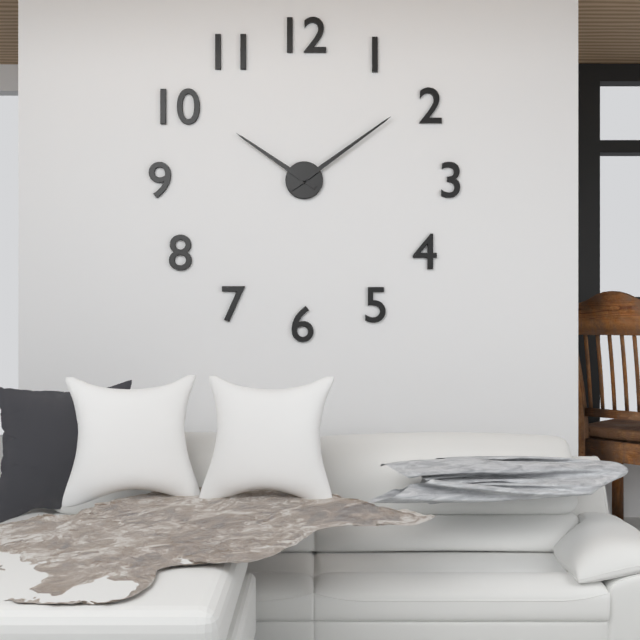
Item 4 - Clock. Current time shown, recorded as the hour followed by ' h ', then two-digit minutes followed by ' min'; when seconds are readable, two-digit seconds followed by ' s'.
10 h 09 min
